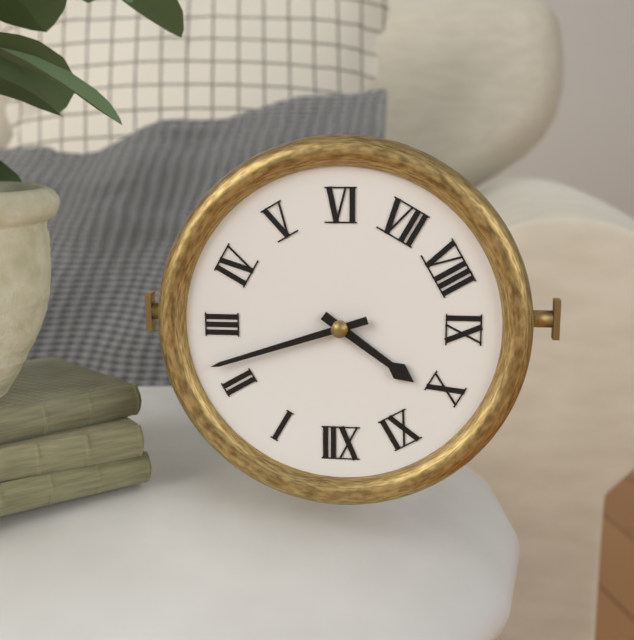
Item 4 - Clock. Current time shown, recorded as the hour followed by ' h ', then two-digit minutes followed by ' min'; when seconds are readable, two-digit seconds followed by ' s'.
10 h 12 min
